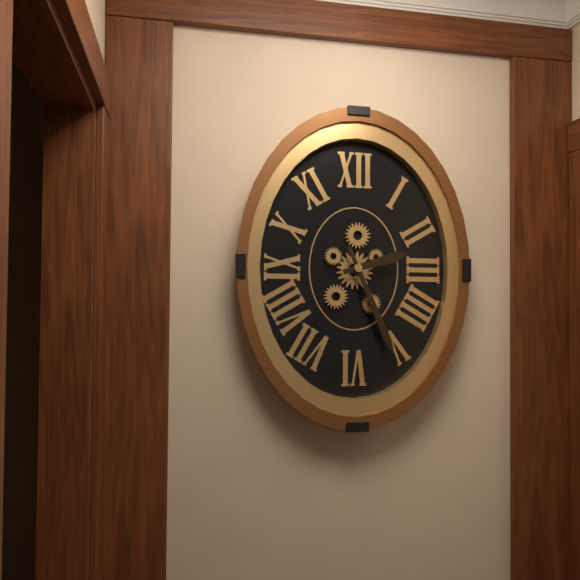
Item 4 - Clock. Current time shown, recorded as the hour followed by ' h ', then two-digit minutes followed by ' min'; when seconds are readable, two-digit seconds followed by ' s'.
2 h 26 min
